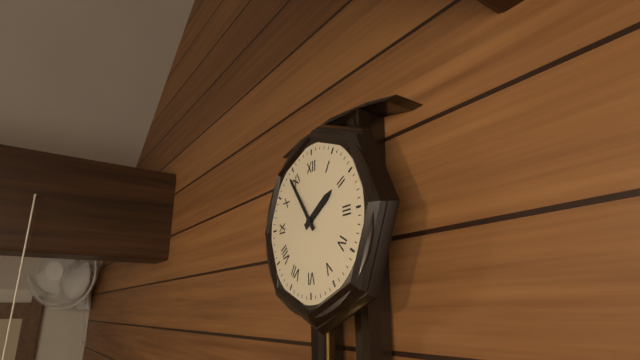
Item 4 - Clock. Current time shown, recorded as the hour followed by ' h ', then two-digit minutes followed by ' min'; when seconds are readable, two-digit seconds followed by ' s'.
1 h 54 min
